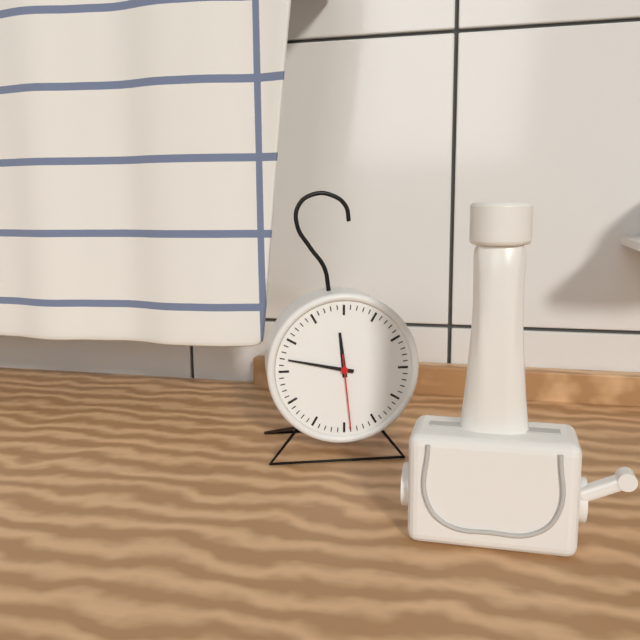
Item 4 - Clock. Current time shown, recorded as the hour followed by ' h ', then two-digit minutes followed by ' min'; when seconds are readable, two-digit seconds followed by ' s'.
11 h 47 min 29 s
